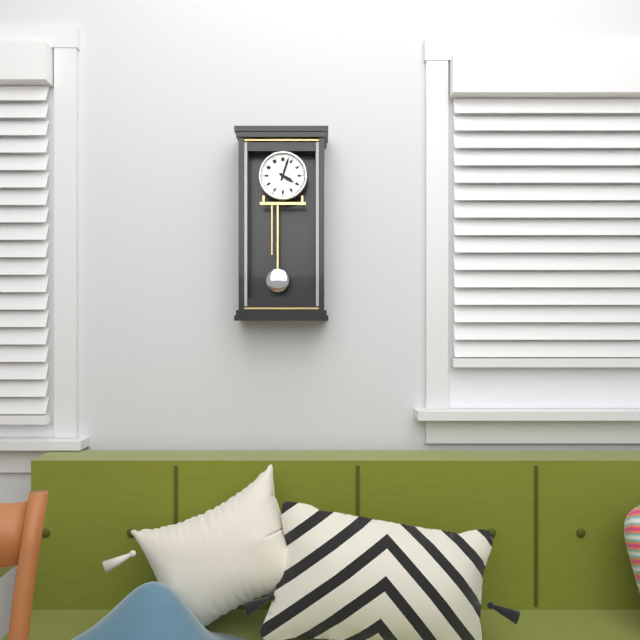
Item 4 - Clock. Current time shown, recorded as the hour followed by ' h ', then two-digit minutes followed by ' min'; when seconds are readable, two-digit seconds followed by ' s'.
4 h 03 min
